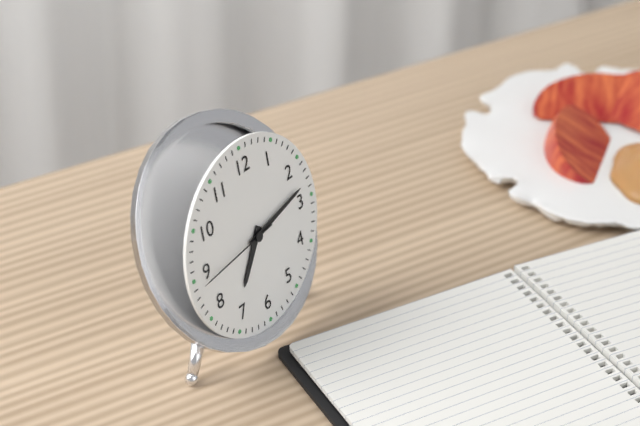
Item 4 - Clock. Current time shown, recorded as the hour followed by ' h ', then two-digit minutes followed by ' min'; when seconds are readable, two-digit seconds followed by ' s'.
7 h 13 min 44 s
